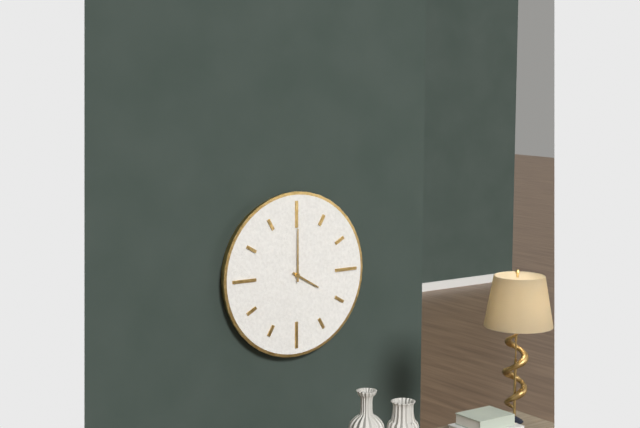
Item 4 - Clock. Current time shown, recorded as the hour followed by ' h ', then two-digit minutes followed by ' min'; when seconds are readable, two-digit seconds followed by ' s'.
4 h 00 min
